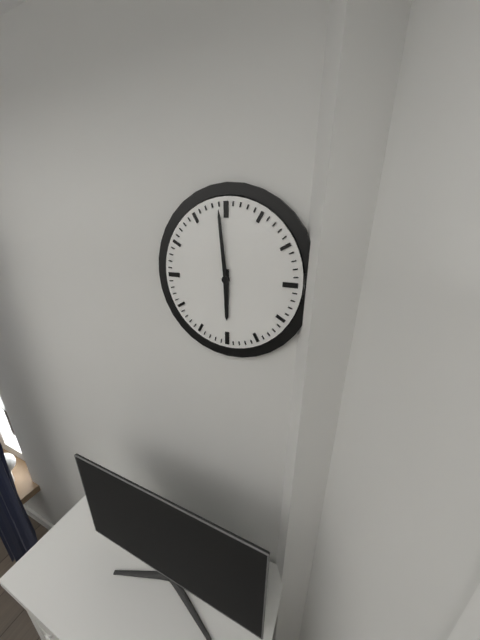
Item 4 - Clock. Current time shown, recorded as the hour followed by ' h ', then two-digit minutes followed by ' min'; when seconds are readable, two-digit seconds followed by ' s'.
5 h 59 min
